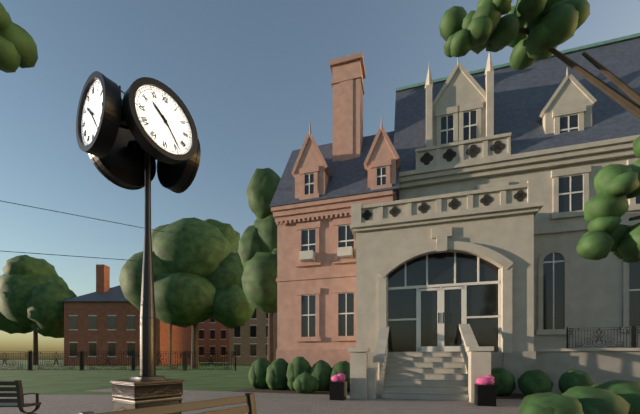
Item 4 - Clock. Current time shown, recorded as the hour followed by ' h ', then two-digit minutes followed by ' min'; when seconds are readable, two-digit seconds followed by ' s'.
10 h 24 min
